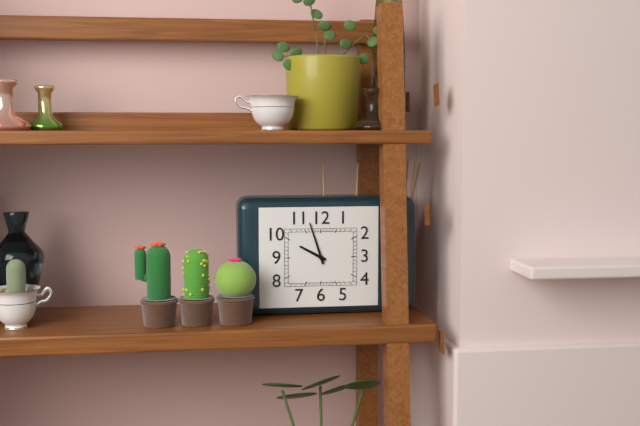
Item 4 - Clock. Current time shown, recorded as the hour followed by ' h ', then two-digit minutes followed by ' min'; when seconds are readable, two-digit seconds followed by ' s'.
9 h 57 min
